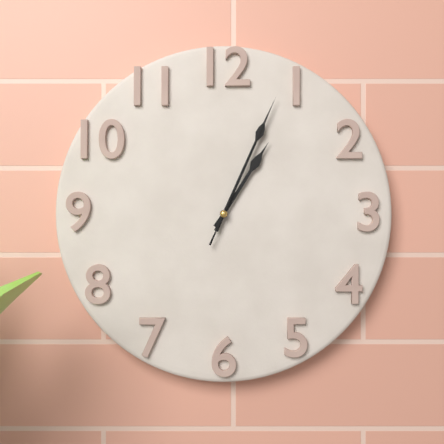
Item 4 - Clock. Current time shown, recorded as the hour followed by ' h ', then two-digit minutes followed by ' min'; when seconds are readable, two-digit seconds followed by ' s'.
1 h 04 min 04 s
